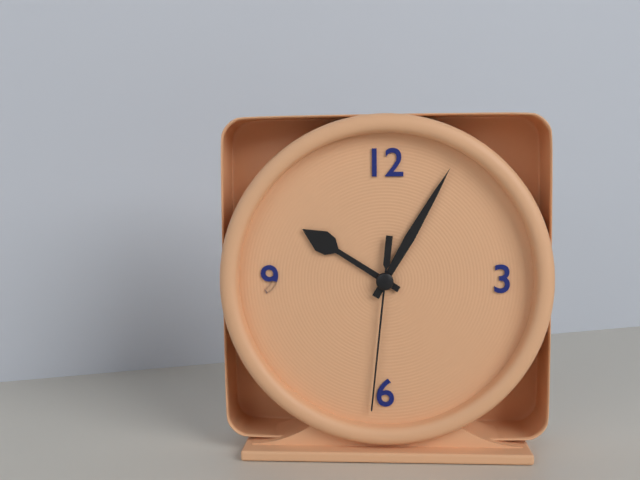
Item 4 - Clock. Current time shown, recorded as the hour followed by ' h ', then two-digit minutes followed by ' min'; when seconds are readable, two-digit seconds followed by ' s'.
10 h 05 min 31 s
